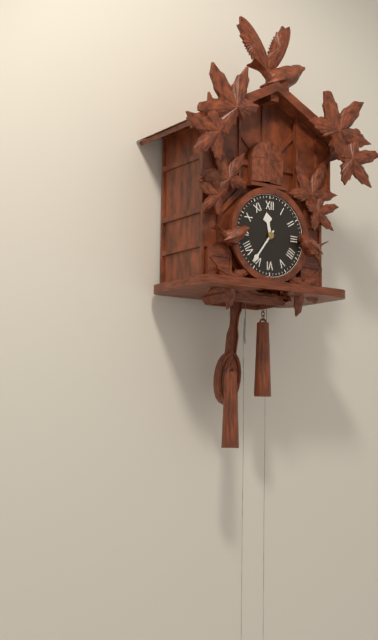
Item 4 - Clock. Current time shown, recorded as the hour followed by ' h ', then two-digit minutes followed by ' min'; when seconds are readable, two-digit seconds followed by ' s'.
11 h 36 min
